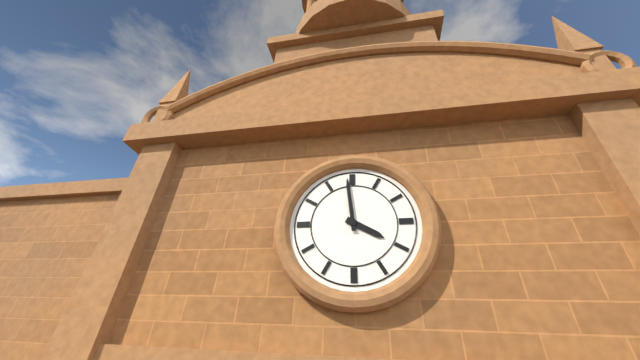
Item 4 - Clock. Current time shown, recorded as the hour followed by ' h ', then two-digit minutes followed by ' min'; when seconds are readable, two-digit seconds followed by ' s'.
3 h 59 min
